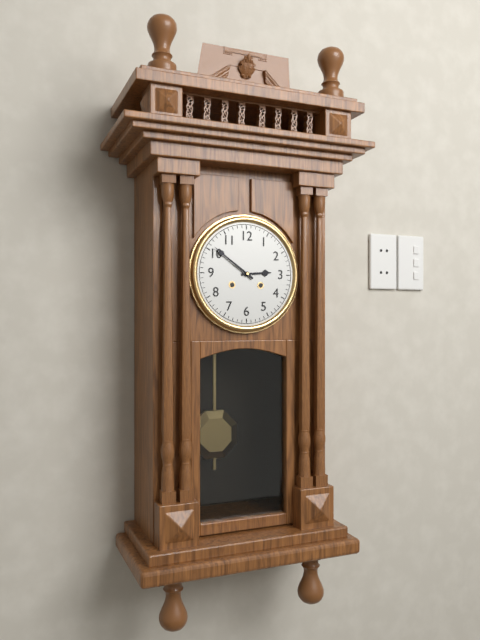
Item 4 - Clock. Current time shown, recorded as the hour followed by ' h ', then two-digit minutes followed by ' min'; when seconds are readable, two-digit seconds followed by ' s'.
2 h 51 min
